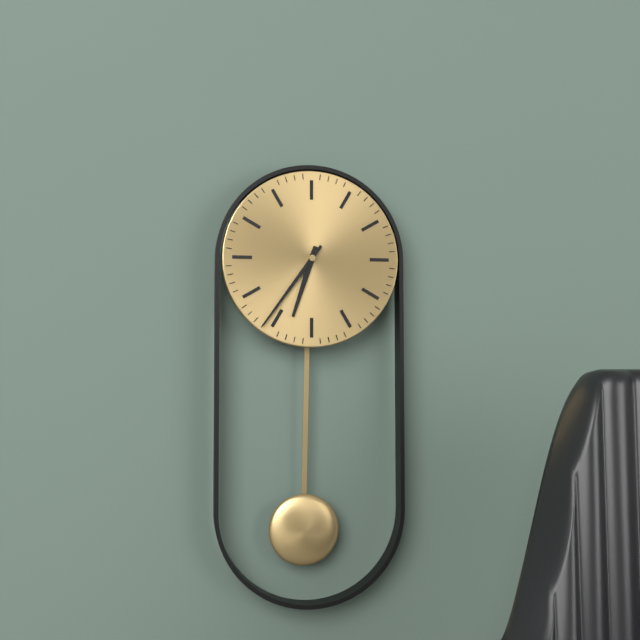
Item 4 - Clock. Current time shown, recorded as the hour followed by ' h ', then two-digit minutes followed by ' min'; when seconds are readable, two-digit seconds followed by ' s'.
6 h 36 min
